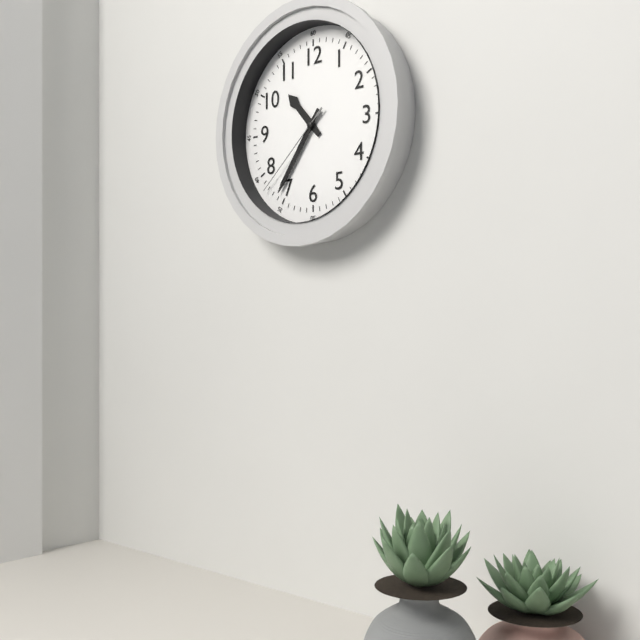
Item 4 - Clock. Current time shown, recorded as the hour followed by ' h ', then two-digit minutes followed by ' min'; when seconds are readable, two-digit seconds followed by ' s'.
10 h 36 min 38 s
